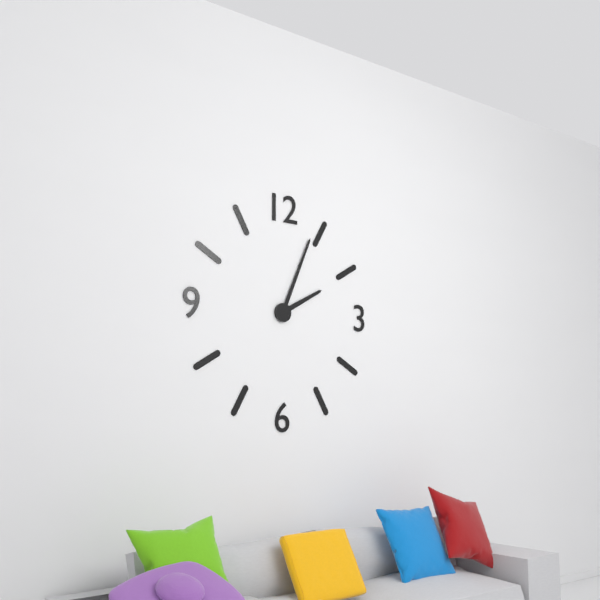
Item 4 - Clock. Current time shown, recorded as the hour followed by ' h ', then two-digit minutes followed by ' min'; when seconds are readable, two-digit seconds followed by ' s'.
2 h 04 min
